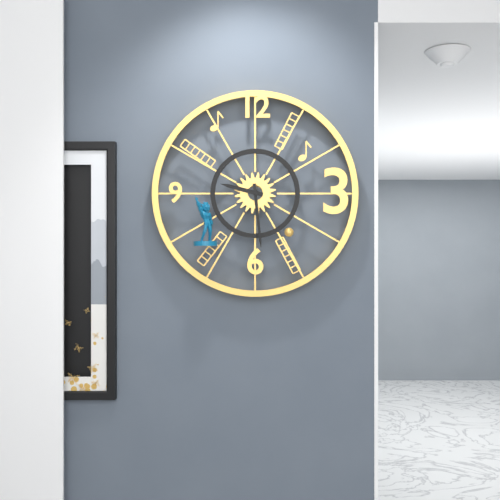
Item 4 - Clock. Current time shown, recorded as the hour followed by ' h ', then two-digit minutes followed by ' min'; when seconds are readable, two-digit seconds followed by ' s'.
9 h 29 min
